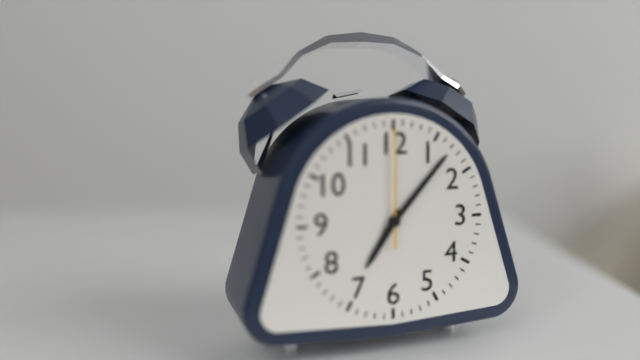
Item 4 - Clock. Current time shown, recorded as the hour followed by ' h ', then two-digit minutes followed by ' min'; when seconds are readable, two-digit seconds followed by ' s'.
7 h 07 min 00 s
